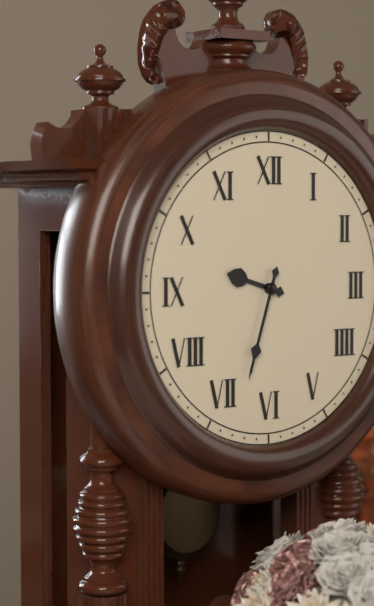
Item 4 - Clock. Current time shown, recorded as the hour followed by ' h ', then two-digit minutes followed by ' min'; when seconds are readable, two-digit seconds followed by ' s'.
9 h 33 min
